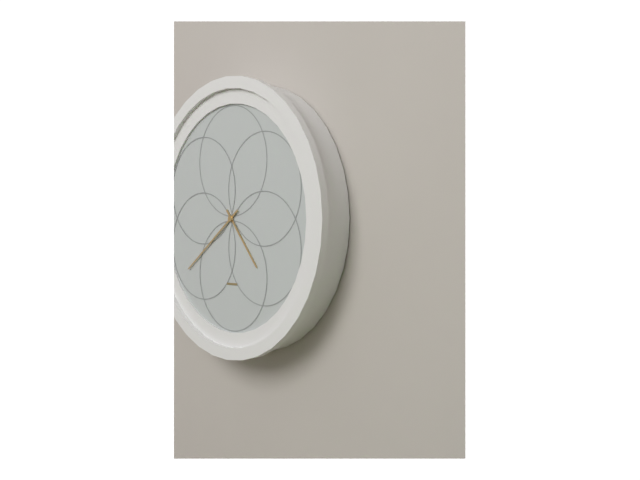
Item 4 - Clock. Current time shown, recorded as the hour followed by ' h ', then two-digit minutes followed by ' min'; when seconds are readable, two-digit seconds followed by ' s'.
4 h 39 min
